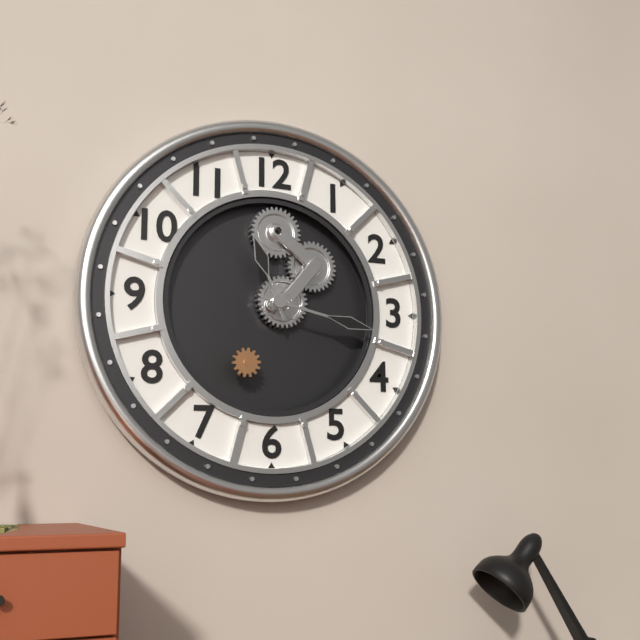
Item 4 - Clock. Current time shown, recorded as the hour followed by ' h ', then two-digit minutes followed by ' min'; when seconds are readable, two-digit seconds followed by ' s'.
11 h 17 min
